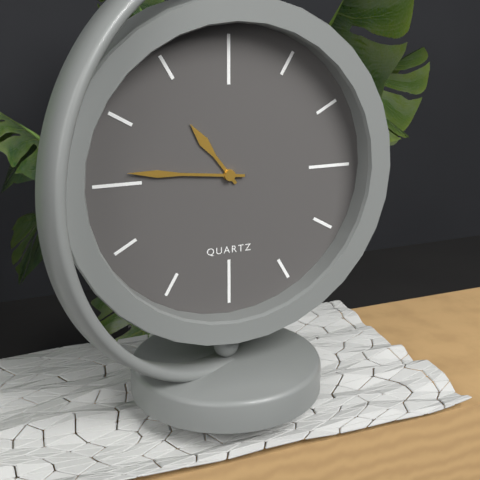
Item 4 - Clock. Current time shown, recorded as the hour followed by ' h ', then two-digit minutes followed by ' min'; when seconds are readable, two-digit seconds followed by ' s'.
10 h 46 min
